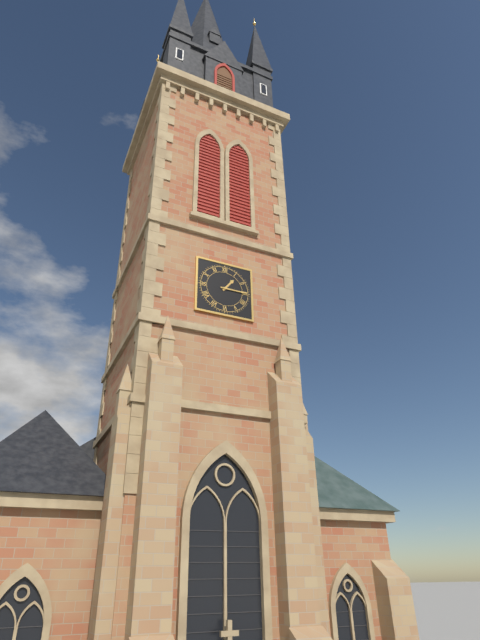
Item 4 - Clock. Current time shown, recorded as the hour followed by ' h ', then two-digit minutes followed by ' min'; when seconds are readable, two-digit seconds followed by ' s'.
1 h 15 min
